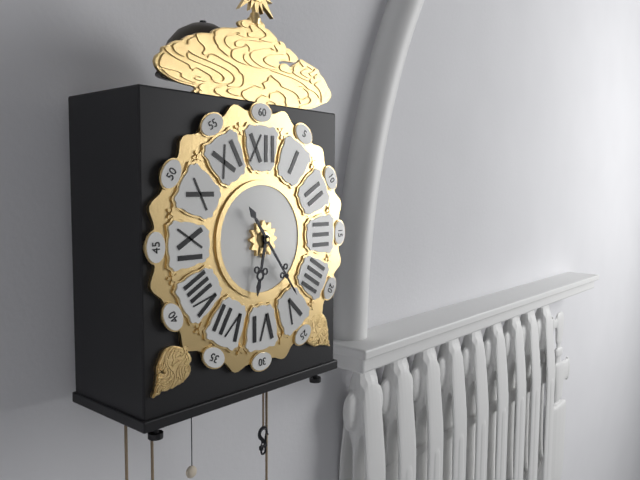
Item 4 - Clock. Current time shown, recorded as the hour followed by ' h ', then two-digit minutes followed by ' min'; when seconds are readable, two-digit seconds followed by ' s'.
6 h 24 min
